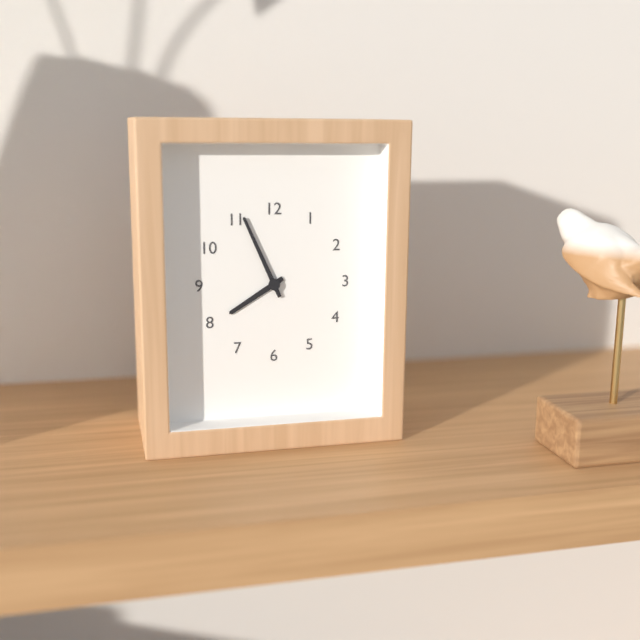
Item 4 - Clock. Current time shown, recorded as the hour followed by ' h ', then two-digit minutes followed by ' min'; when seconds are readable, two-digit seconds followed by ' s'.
7 h 56 min
